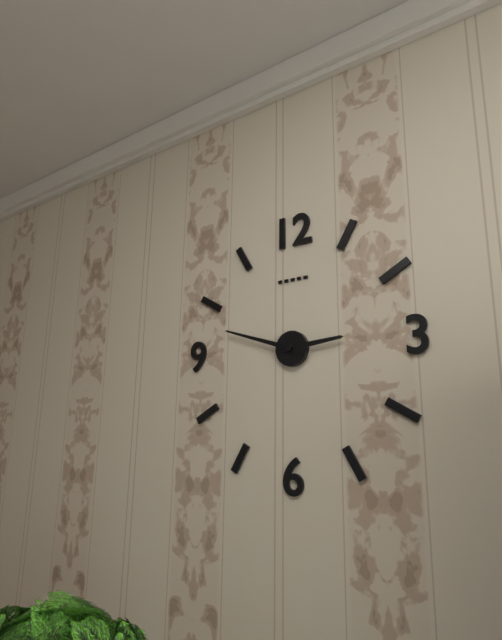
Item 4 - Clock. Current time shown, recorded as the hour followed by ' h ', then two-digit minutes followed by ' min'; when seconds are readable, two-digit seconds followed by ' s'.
2 h 48 min
